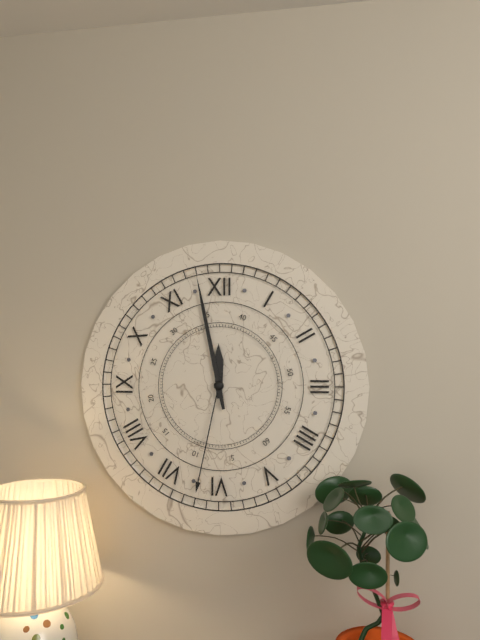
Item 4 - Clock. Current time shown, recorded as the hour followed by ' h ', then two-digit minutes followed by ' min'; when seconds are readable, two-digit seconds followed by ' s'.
11 h 58 min 32 s
